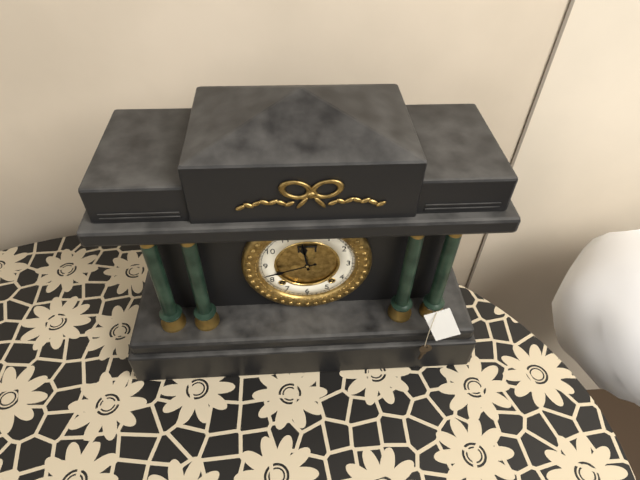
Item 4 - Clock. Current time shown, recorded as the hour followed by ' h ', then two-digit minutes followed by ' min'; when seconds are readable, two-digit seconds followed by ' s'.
11 h 42 min
